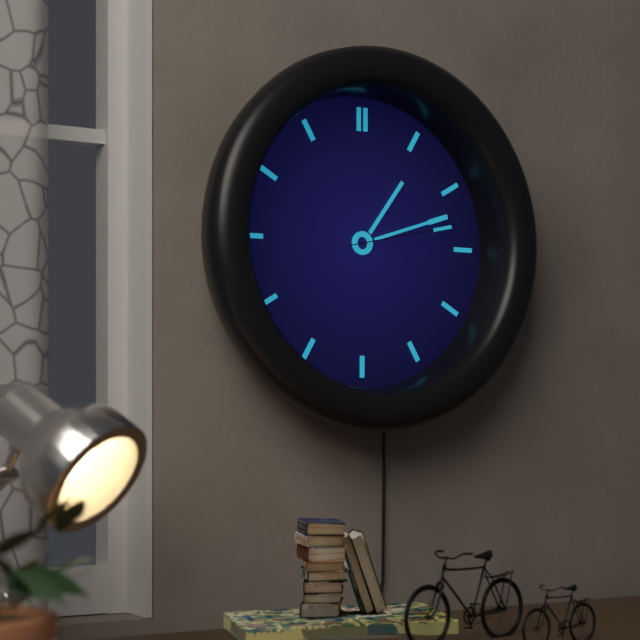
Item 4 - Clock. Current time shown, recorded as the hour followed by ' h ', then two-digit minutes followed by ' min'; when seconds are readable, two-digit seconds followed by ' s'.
1 h 12 min 13 s
